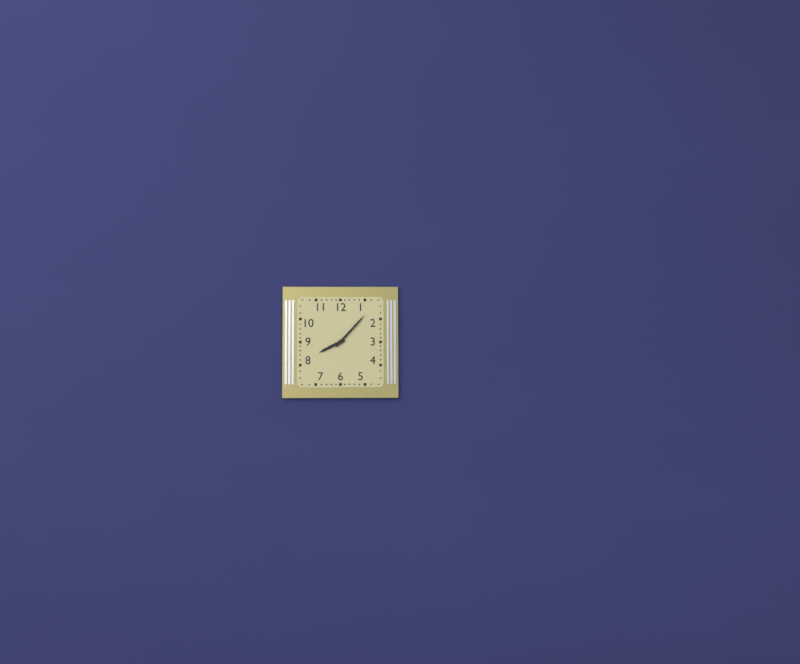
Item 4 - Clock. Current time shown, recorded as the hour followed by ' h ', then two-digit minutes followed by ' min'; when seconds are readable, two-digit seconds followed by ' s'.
8 h 07 min
